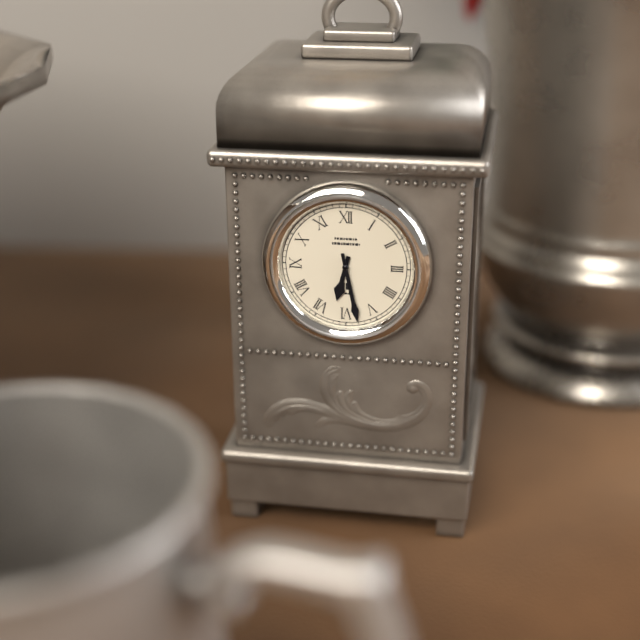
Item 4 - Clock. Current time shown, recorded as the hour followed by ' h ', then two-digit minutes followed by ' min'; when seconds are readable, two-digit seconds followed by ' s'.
6 h 28 min
